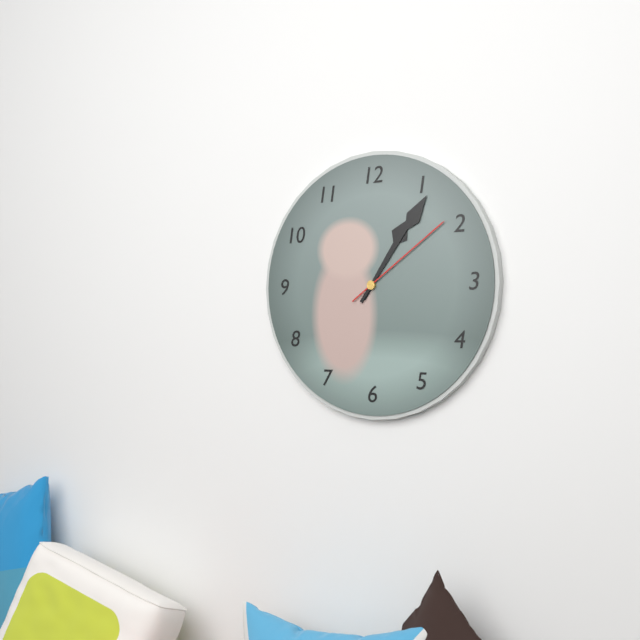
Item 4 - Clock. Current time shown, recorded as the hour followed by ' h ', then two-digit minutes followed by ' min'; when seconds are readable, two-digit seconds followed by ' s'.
1 h 06 min 09 s
